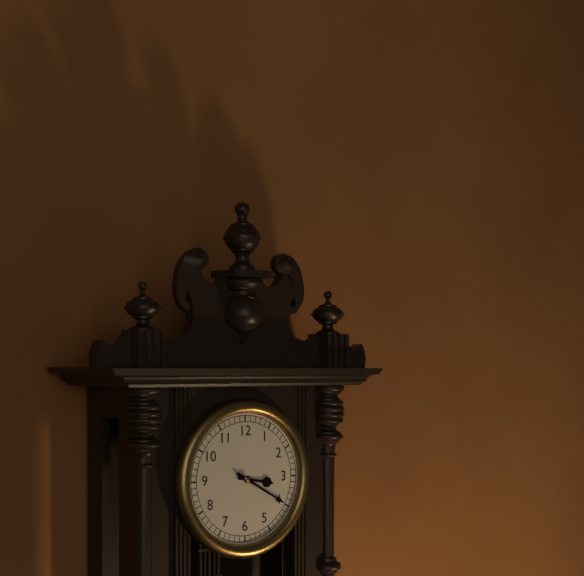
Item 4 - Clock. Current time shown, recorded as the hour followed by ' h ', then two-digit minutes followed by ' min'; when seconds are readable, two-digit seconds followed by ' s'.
3 h 20 min
